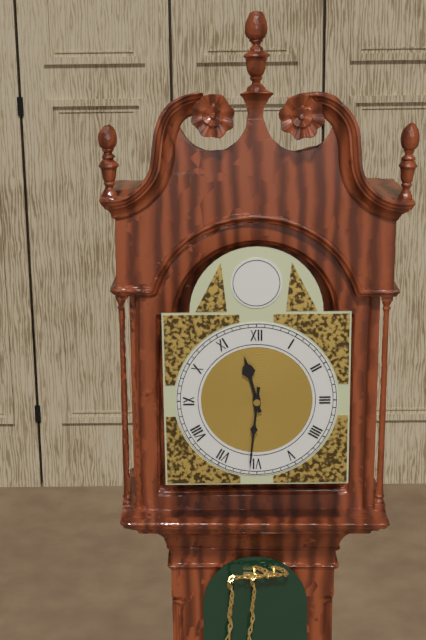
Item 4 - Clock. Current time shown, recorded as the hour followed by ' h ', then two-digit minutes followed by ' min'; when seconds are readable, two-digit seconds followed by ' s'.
11 h 31 min
